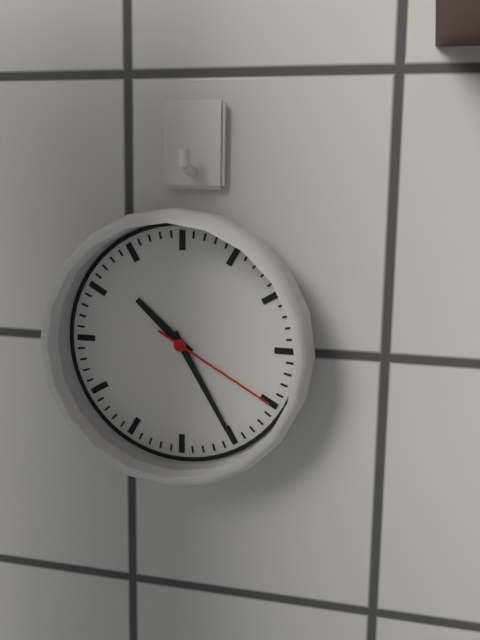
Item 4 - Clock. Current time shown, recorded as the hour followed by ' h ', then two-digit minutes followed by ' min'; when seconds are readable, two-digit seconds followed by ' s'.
10 h 25 min 20 s
